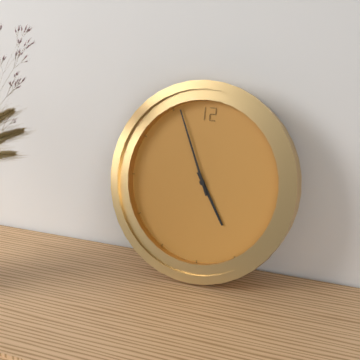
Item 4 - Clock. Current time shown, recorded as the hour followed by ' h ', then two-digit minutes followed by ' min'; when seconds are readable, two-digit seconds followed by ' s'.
4 h 56 min
